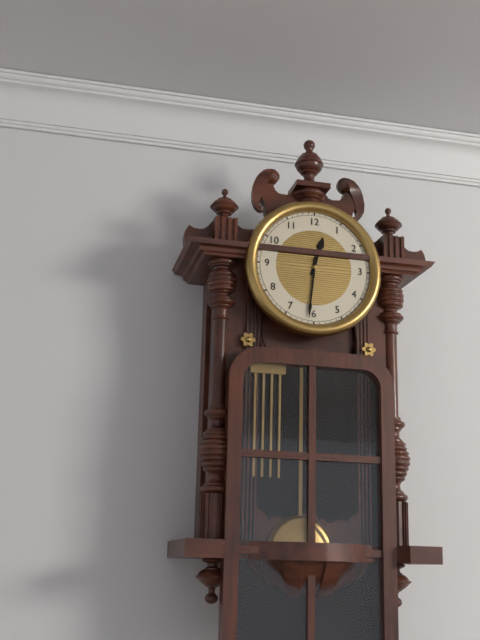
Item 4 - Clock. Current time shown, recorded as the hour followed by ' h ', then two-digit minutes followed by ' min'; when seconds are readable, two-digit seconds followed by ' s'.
12 h 31 min
